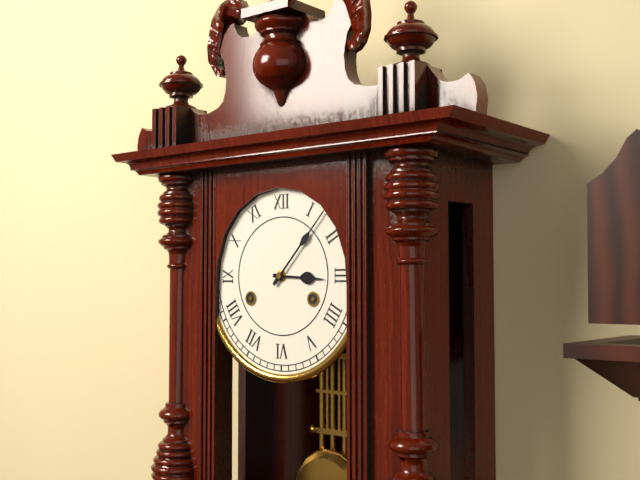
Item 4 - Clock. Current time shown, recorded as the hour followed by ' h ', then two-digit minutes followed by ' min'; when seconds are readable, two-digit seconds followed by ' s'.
3 h 07 min
